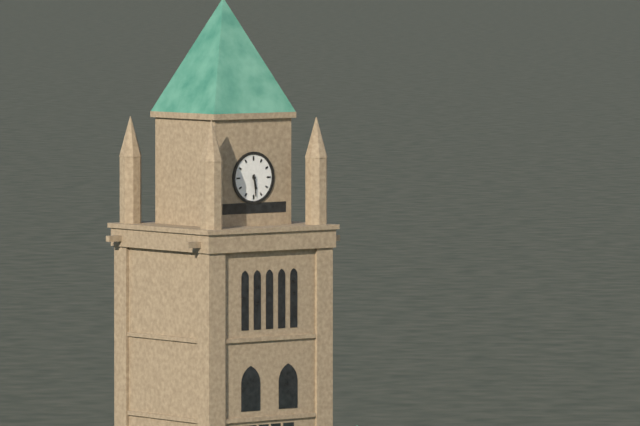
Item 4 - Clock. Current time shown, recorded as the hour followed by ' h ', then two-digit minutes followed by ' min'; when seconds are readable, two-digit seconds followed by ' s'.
5 h 29 min
